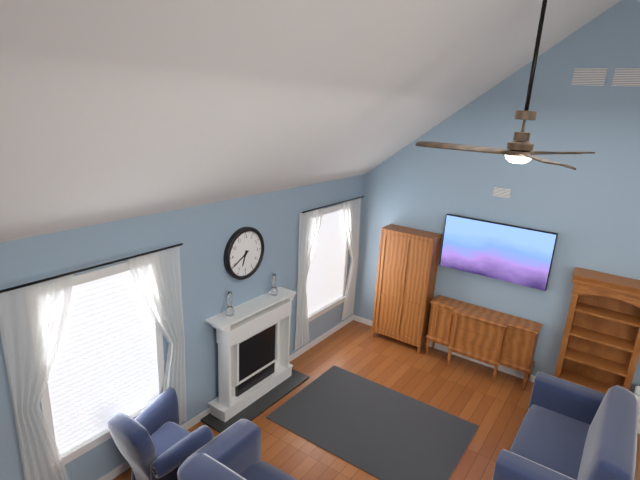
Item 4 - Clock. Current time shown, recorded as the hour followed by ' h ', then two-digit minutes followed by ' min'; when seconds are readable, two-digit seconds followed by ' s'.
6 h 40 min
